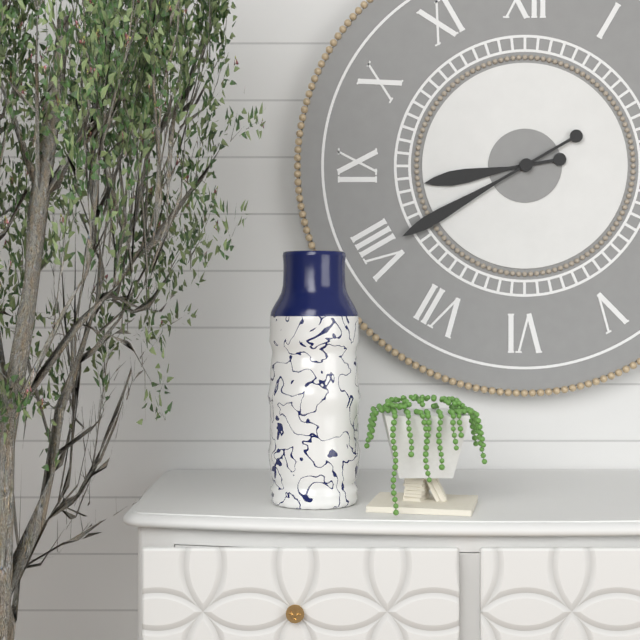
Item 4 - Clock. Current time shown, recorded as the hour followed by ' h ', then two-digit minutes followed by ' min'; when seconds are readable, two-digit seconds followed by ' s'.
8 h 40 min
